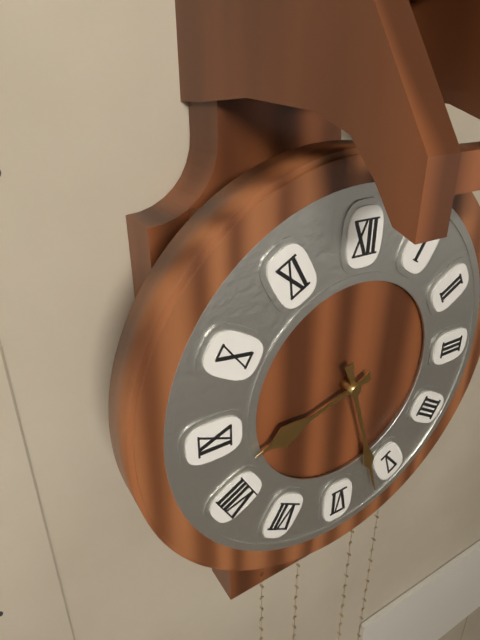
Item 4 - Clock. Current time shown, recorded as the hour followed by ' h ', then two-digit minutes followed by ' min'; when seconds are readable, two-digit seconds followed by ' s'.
8 h 27 min
